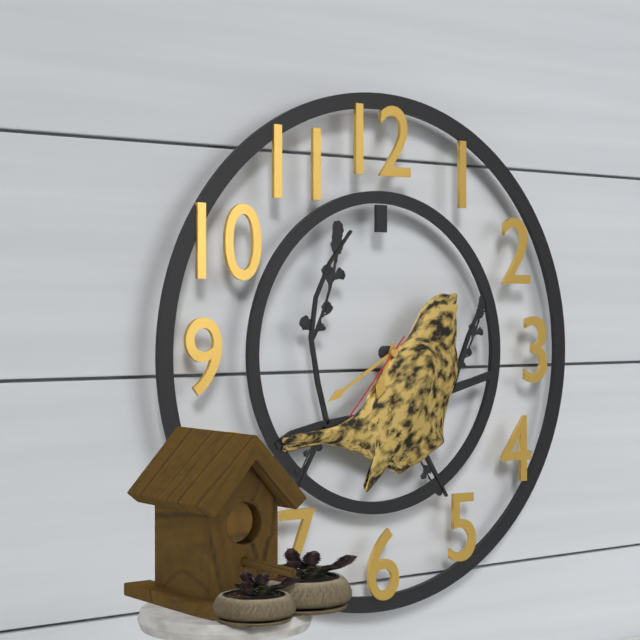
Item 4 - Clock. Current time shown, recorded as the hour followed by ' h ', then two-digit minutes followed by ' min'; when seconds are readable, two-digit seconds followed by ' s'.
6 h 40 min 37 s
